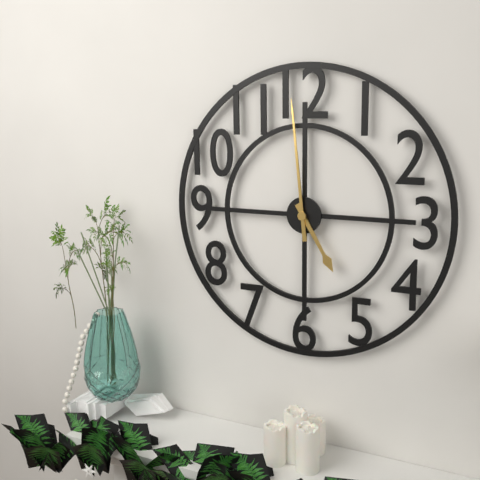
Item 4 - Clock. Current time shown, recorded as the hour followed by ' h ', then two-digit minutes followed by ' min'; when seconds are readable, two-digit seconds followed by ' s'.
4 h 59 min
